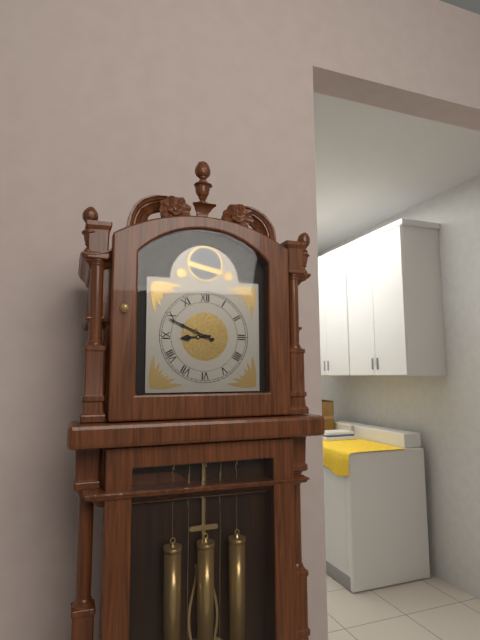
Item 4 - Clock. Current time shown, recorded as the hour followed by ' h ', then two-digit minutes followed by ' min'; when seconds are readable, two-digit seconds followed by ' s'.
8 h 49 min
